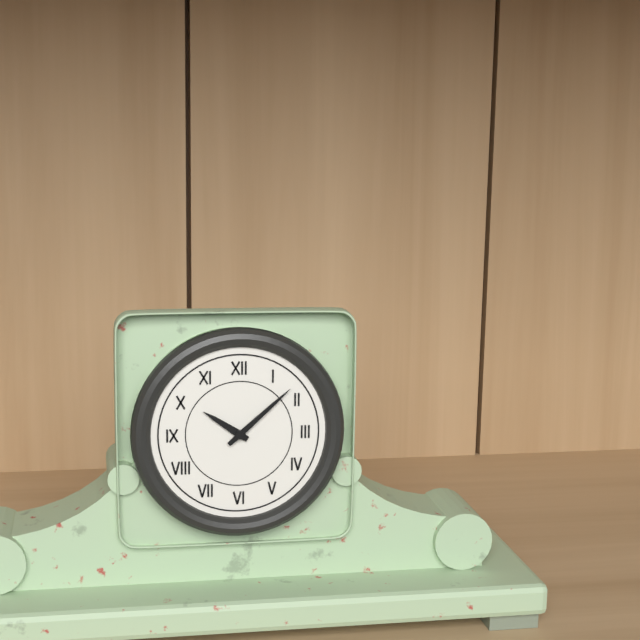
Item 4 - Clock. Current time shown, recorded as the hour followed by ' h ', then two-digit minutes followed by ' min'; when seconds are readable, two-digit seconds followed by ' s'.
10 h 08 min
